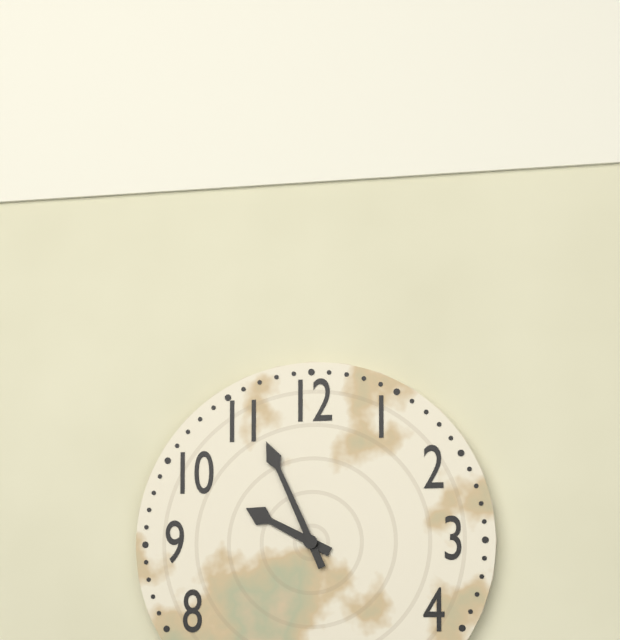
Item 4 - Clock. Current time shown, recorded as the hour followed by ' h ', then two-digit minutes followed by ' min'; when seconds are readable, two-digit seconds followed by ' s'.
9 h 56 min
